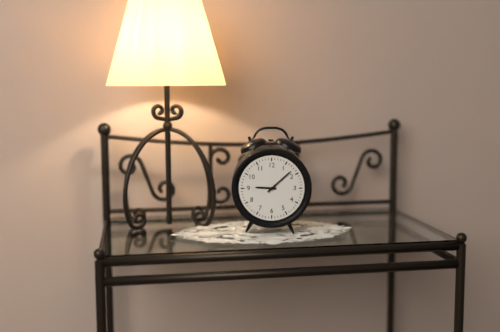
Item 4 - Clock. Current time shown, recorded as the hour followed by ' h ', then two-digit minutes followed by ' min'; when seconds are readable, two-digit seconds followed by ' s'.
9 h 08 min
